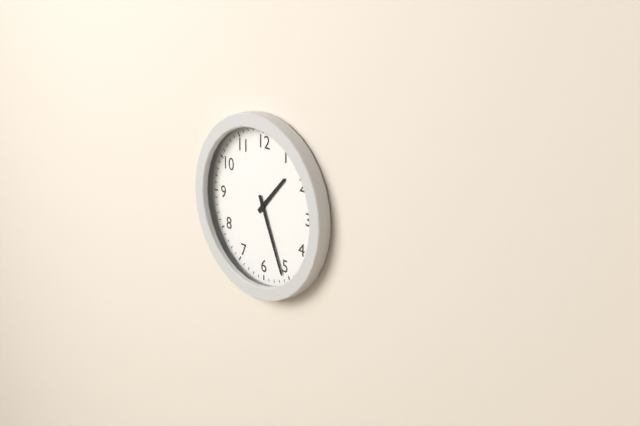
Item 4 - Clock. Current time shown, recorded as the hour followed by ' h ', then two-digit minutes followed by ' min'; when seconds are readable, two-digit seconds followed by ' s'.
1 h 26 min
